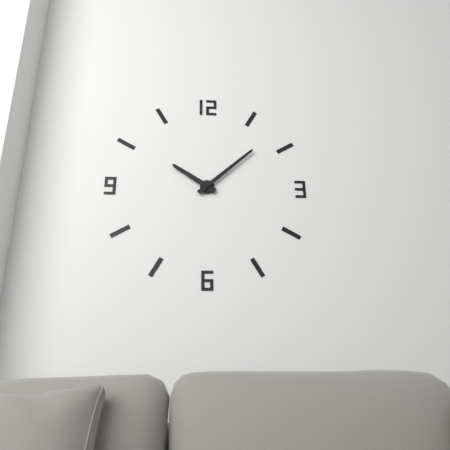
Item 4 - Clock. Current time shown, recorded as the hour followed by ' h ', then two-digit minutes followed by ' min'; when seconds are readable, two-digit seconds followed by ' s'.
10 h 08 min
